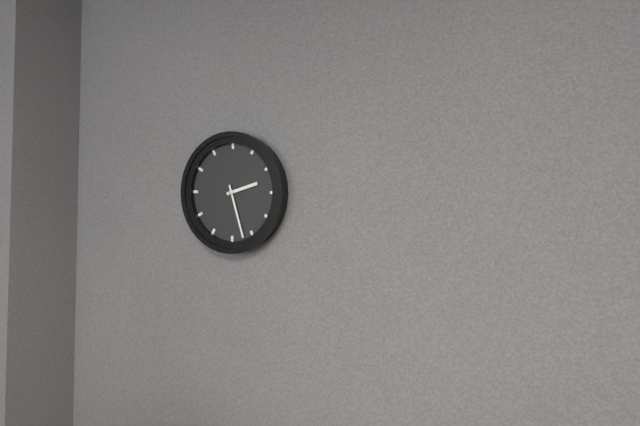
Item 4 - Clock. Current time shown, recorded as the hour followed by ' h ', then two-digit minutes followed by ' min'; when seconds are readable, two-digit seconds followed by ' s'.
2 h 27 min
